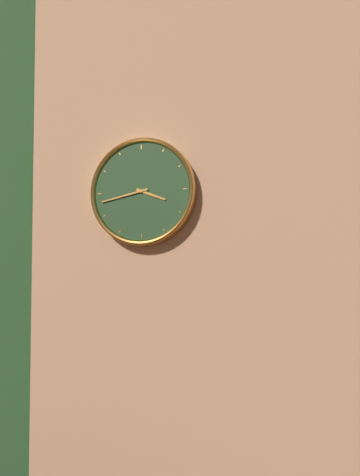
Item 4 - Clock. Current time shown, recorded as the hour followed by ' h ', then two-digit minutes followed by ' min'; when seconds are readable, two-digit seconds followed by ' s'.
3 h 43 min
